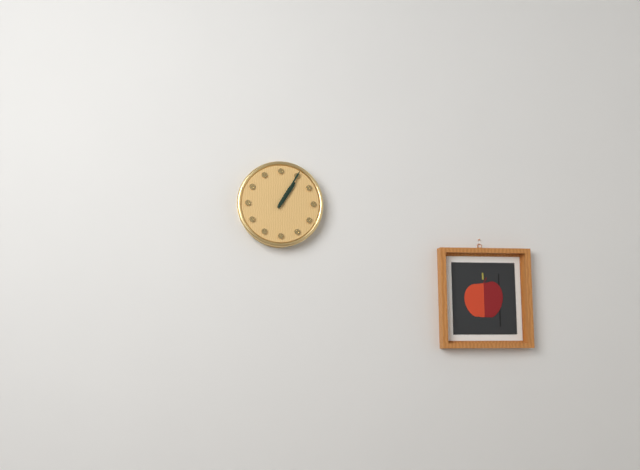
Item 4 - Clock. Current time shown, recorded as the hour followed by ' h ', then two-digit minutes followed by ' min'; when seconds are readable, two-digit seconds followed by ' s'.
1 h 05 min
